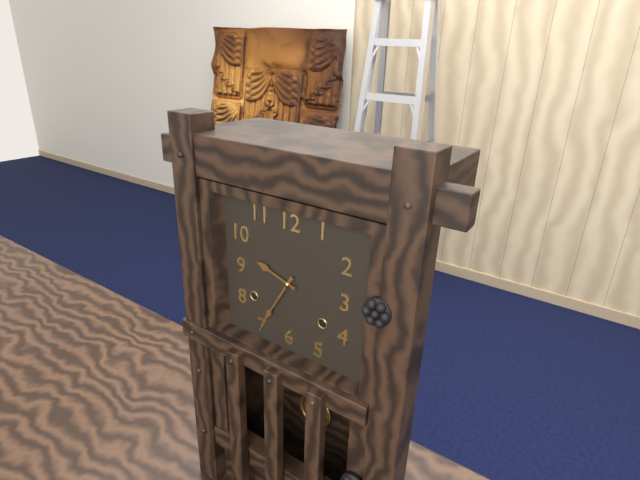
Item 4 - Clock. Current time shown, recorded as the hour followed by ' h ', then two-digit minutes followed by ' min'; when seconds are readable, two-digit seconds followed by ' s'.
9 h 35 min
